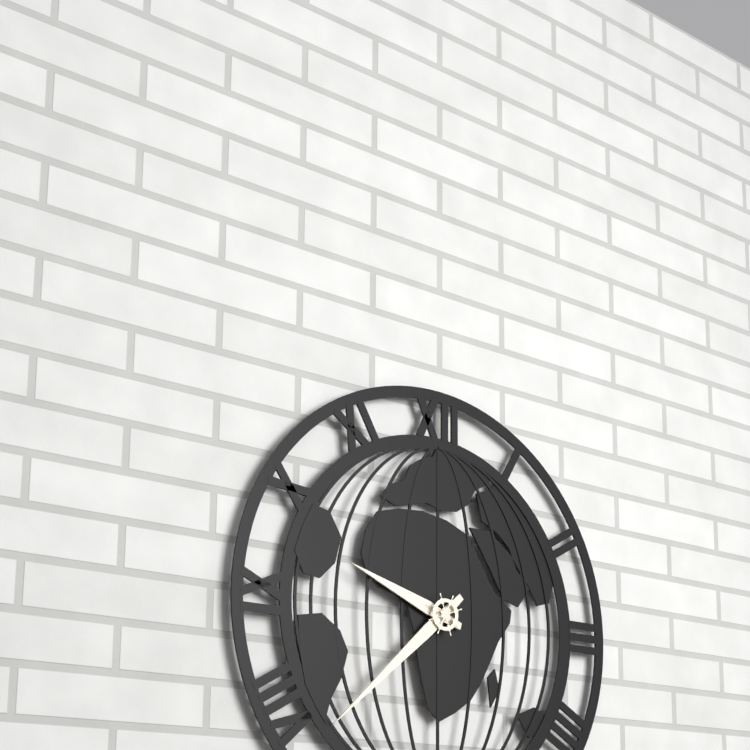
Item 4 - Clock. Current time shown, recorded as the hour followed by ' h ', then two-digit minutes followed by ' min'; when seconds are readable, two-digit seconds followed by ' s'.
9 h 38 min
